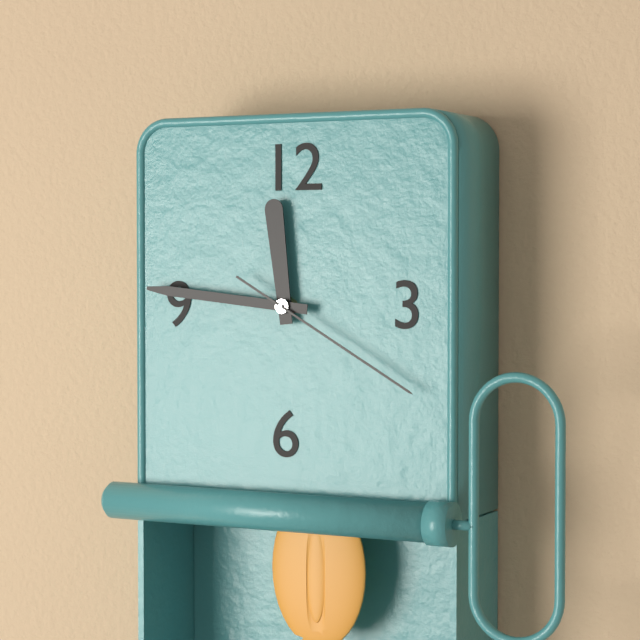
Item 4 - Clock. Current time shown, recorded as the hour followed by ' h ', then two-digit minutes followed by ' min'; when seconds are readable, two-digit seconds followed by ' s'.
11 h 46 min 20 s
